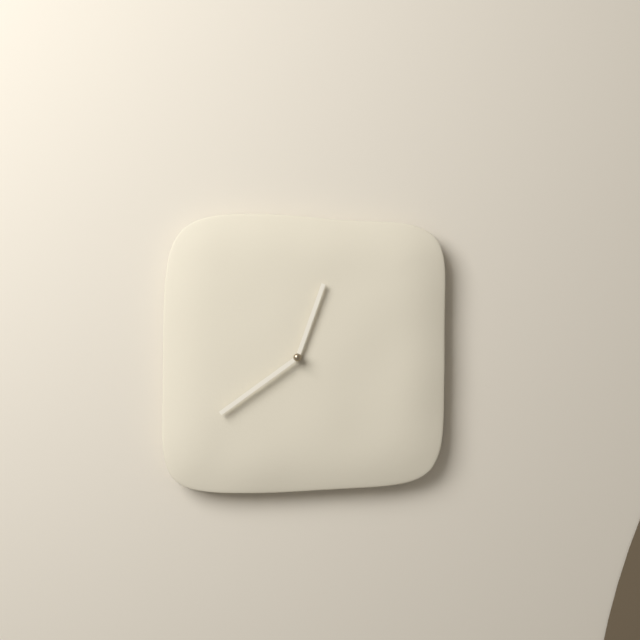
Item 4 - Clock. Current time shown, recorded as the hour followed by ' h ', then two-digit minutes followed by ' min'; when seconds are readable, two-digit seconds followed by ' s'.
12 h 39 min
